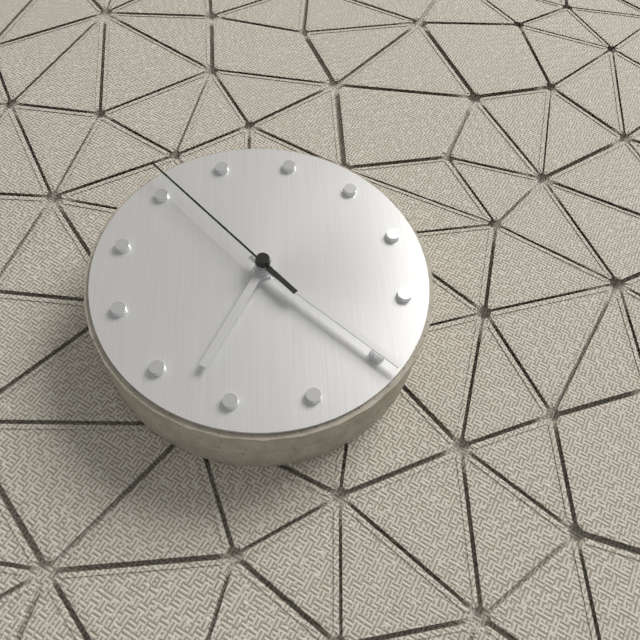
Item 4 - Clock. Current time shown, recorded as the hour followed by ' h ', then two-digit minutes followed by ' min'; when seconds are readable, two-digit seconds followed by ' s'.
8 h 30 min 01 s
